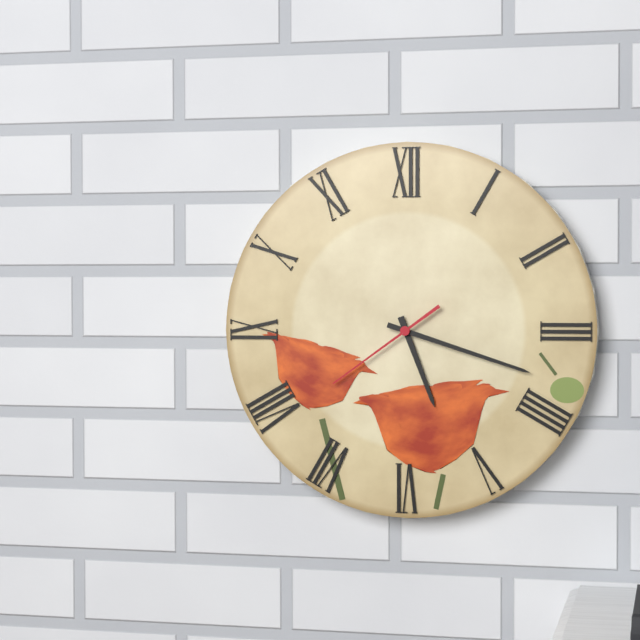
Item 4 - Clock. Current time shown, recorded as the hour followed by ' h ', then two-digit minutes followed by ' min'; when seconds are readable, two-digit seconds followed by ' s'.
5 h 18 min 39 s
